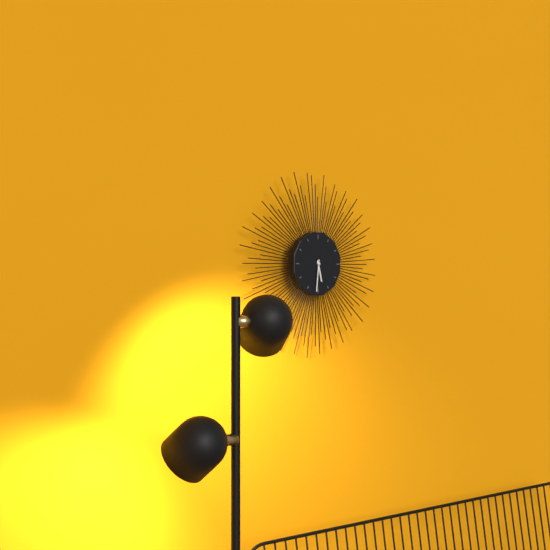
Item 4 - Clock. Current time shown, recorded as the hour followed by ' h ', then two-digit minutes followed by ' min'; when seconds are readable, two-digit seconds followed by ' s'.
5 h 31 min
